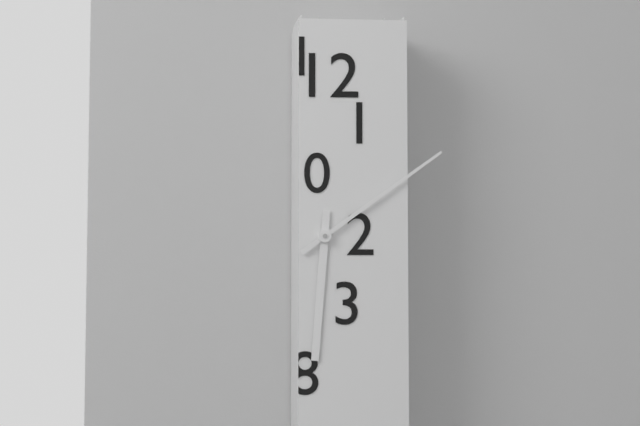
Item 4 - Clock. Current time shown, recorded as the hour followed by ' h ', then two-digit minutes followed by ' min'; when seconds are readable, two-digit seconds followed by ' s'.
6 h 09 min
